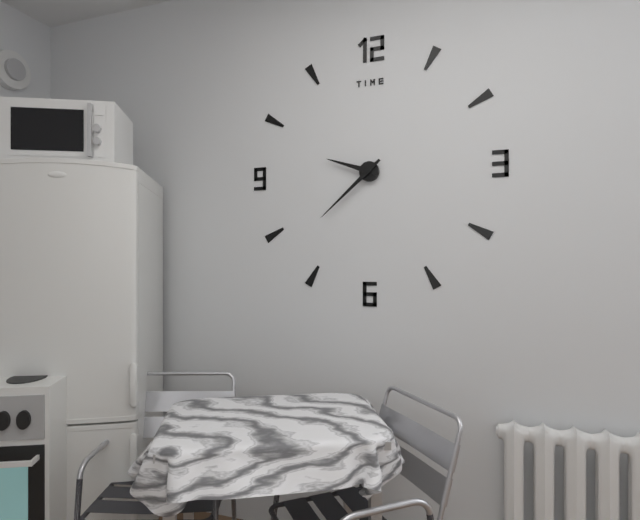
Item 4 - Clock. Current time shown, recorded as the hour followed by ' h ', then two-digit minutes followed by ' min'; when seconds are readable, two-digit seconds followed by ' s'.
9 h 38 min
